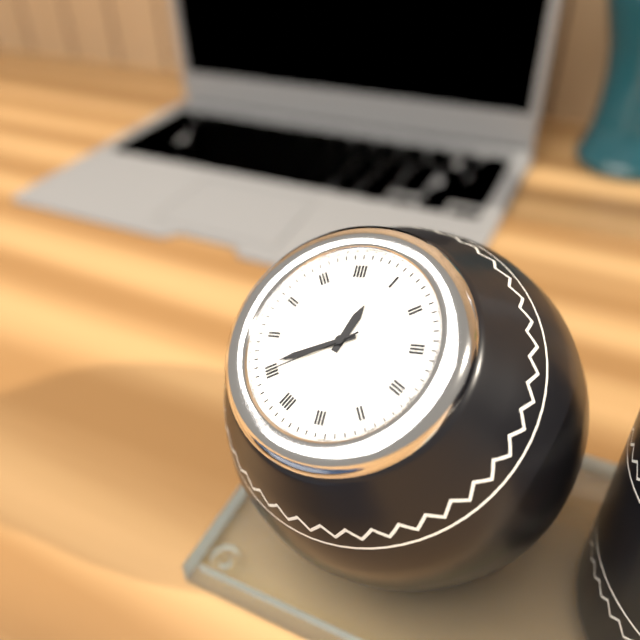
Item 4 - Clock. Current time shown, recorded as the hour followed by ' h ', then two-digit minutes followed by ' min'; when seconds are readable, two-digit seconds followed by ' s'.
12 h 41 min 40 s
